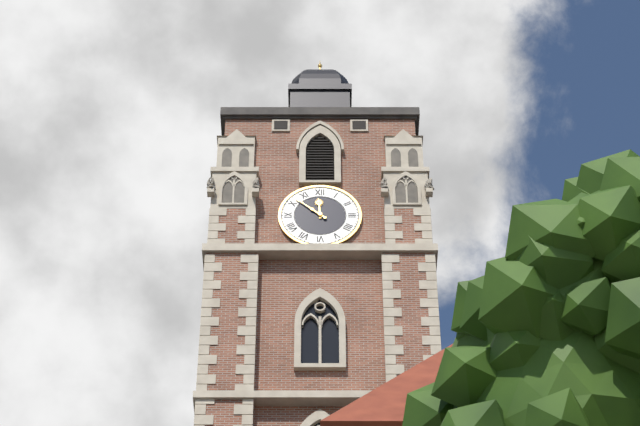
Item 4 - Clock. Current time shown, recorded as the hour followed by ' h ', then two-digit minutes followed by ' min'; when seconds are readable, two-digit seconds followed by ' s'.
11 h 52 min
